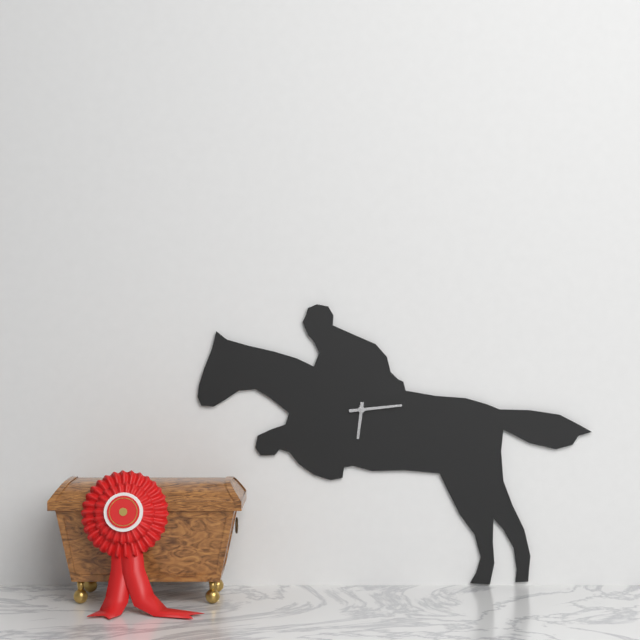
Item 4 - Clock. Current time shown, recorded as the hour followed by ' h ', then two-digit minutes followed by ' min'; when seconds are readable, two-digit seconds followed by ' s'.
6 h 14 min
